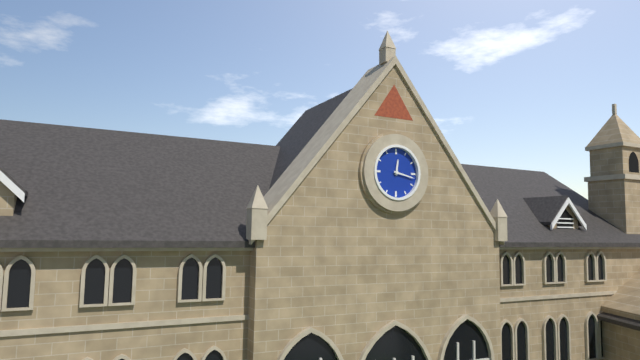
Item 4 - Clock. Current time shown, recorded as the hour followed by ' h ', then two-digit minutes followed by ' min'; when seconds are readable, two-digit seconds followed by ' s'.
12 h 17 min
